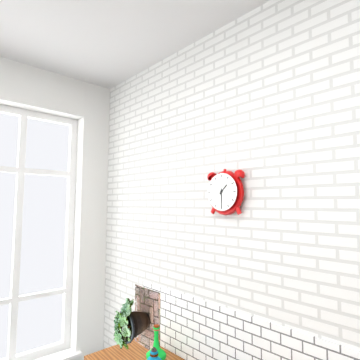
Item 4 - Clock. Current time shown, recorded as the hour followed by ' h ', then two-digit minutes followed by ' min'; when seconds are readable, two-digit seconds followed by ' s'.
1 h 30 min
